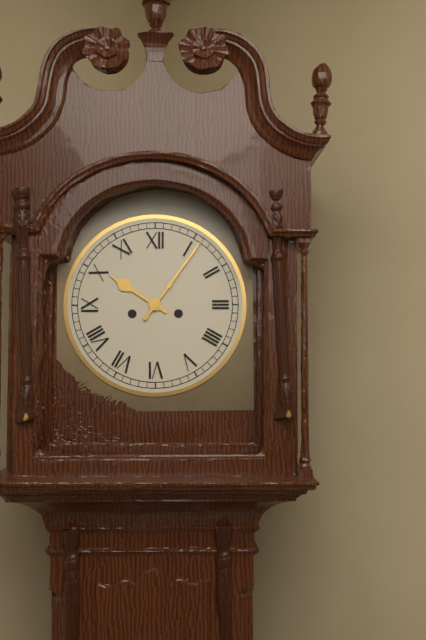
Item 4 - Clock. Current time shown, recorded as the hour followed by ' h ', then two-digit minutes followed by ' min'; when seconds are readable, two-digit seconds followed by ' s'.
10 h 06 min
